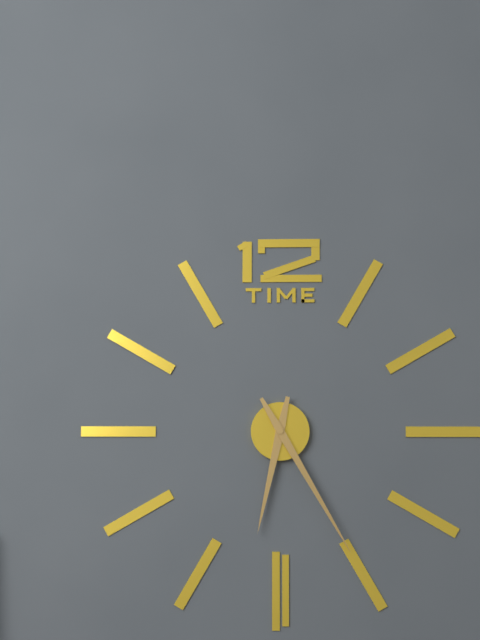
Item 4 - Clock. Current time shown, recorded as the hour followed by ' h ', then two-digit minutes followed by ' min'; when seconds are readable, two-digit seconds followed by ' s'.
6 h 25 min
